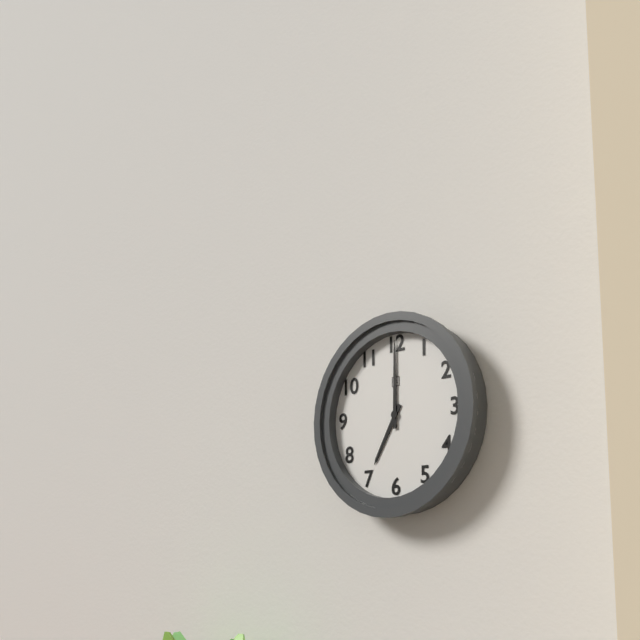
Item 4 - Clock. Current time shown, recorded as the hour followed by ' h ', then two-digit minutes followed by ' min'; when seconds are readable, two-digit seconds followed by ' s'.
7 h 00 min
